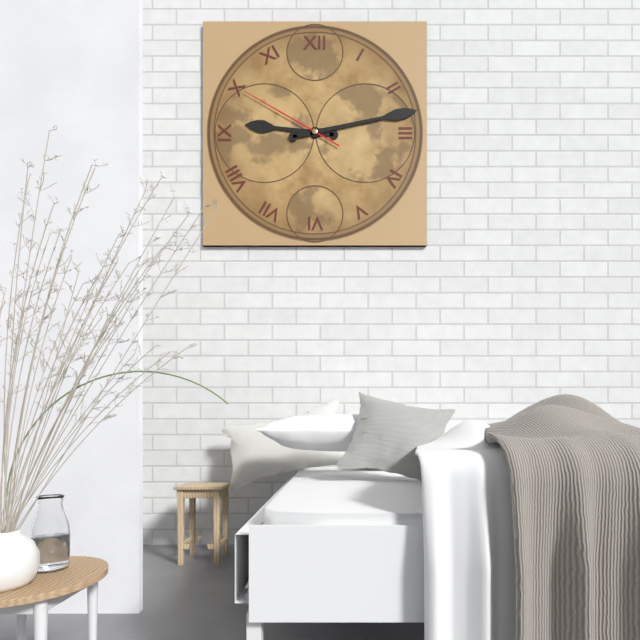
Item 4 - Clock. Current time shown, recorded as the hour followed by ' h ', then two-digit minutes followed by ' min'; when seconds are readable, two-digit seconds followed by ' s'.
9 h 13 min 50 s
